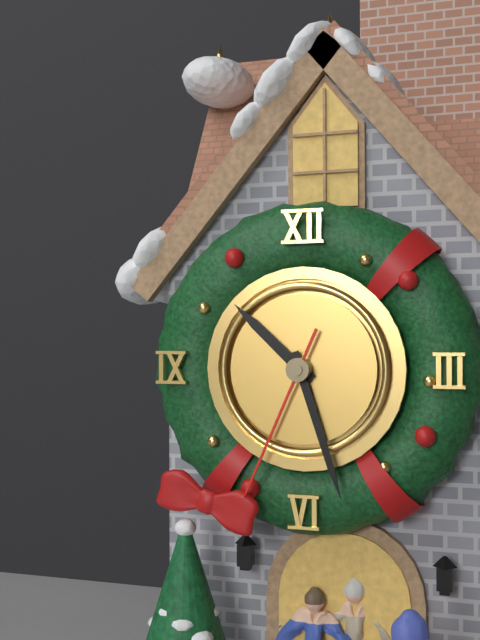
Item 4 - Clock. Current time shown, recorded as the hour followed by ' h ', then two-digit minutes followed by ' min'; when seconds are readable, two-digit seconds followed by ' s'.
10 h 27 min 34 s
